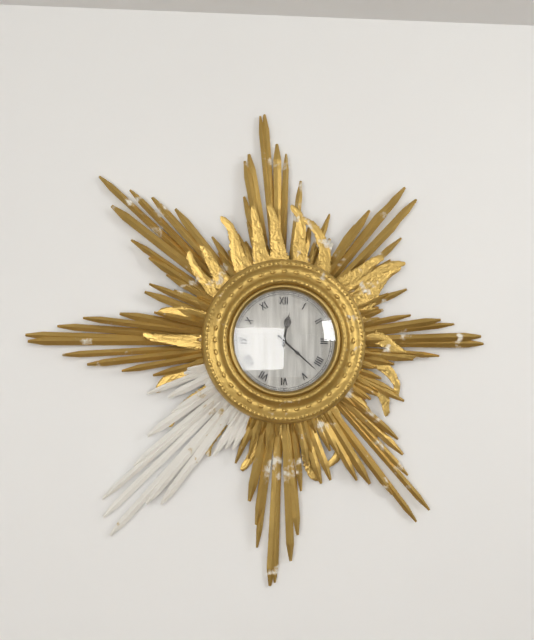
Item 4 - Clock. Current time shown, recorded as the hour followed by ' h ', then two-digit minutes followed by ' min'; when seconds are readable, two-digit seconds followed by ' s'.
12 h 22 min
